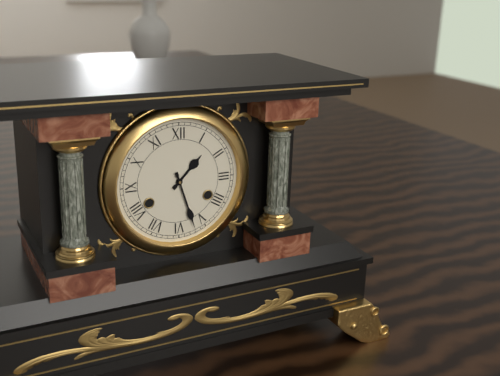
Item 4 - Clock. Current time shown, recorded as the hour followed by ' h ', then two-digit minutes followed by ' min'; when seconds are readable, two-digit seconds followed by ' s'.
1 h 27 min
